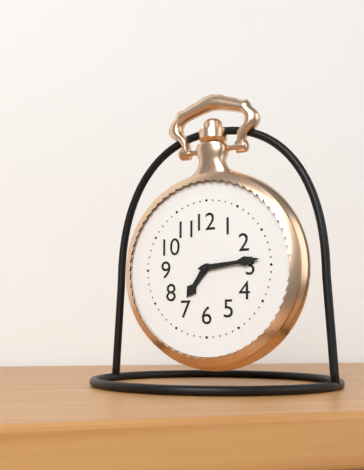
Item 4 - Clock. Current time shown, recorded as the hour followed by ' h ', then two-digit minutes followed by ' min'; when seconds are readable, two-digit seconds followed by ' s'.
7 h 14 min
